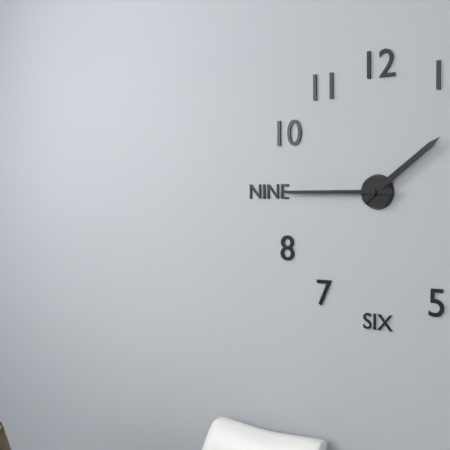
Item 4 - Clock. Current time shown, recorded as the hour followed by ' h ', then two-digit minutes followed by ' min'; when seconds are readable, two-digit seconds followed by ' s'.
1 h 45 min
